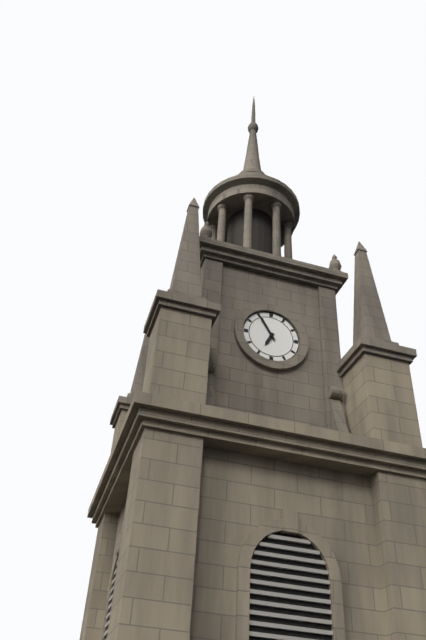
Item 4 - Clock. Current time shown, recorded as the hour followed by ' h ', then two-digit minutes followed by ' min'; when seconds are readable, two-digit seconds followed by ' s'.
6 h 55 min
